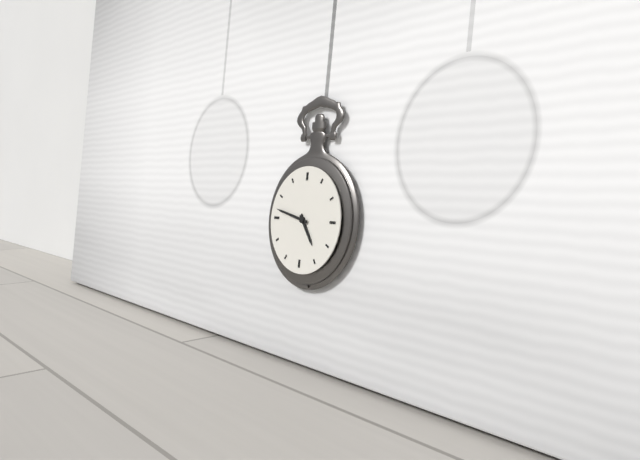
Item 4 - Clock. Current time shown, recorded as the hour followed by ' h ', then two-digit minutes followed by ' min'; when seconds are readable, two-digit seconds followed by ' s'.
4 h 47 min
